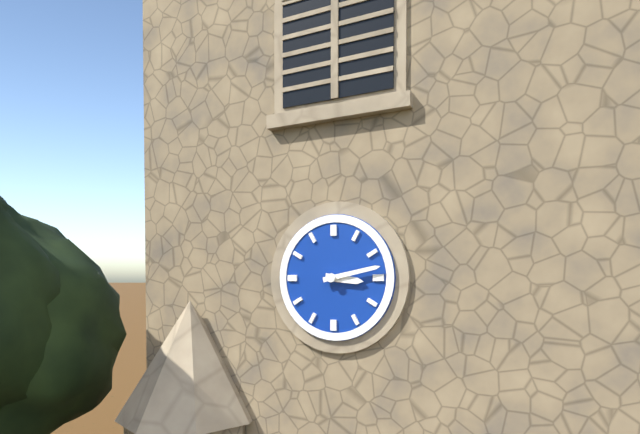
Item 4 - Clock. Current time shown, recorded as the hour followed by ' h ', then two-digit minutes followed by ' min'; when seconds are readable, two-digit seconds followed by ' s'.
3 h 13 min
